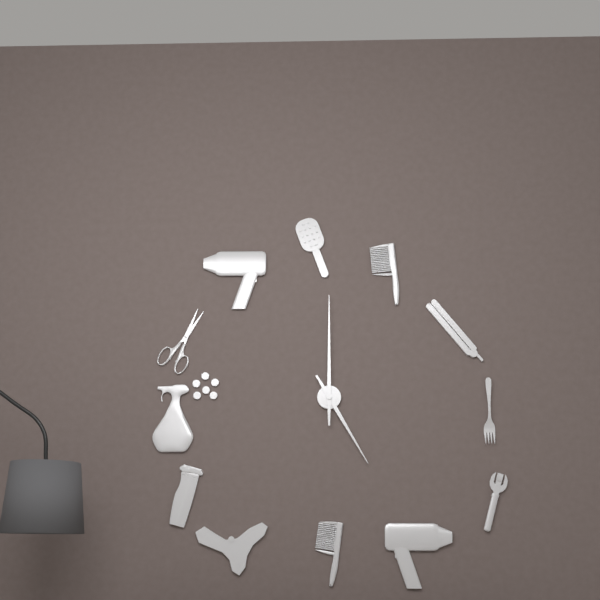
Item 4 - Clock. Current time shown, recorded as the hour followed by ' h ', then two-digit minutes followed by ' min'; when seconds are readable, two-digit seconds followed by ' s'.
5 h 00 min
